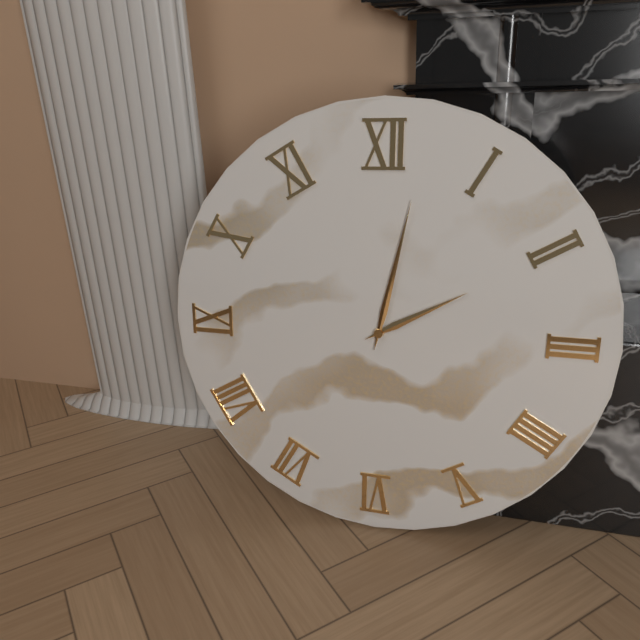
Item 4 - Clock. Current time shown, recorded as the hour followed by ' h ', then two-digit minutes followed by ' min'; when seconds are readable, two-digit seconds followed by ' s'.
2 h 02 min
